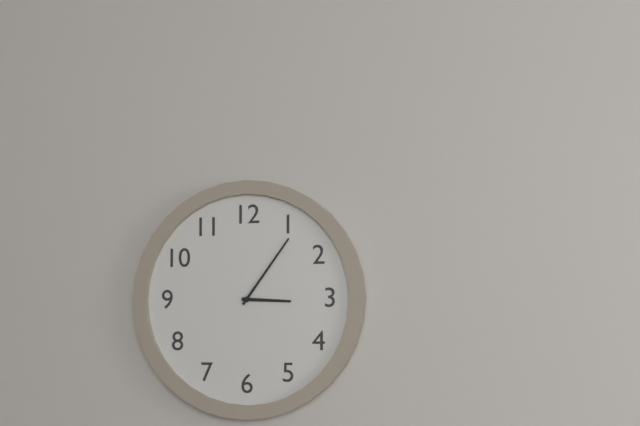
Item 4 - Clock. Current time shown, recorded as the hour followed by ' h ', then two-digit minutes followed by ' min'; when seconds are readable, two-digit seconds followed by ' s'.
3 h 06 min
